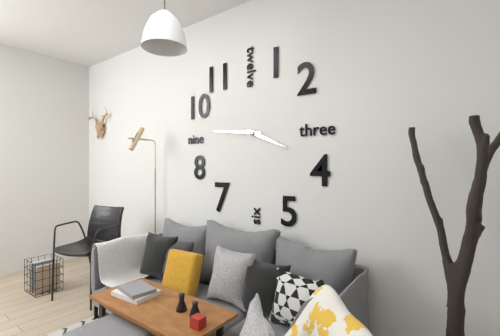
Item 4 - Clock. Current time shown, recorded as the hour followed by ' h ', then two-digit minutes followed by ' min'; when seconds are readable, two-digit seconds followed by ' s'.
3 h 46 min
